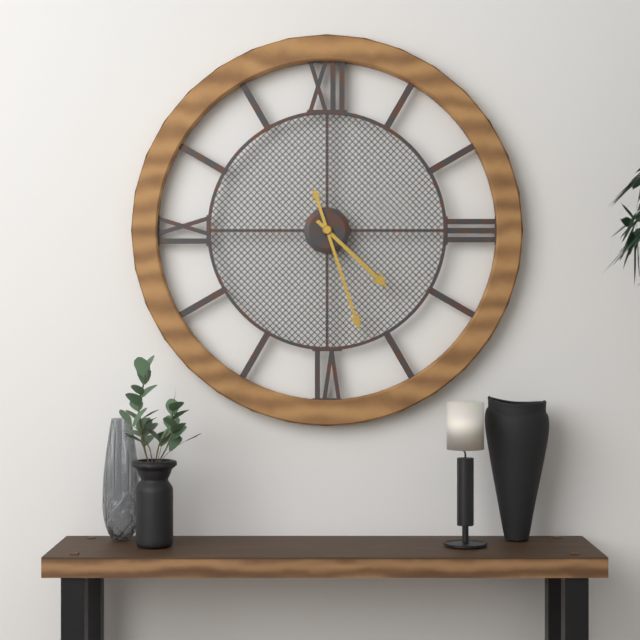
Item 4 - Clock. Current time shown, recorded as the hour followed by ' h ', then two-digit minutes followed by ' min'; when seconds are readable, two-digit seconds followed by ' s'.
4 h 27 min
